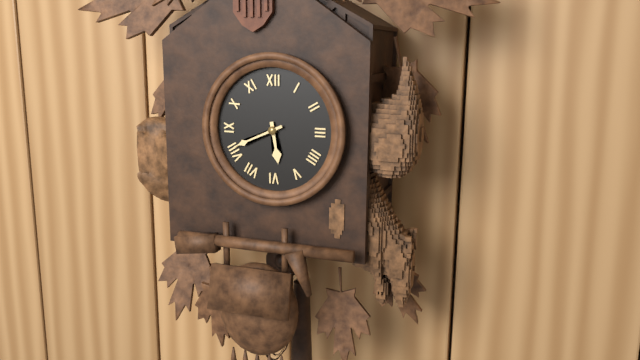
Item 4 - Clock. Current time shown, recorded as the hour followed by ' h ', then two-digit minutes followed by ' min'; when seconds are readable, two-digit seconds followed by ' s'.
5 h 41 min
